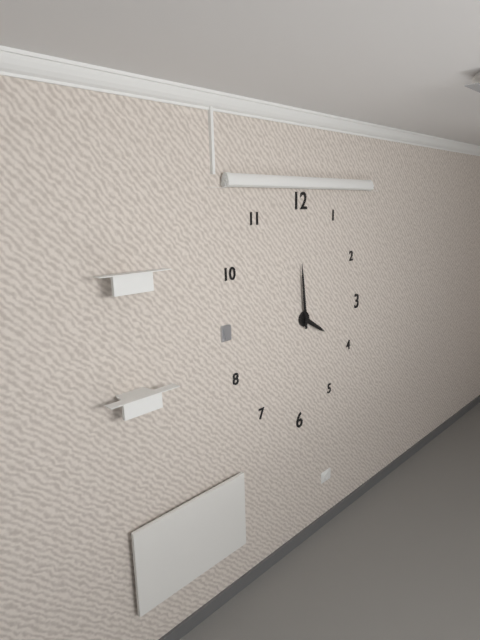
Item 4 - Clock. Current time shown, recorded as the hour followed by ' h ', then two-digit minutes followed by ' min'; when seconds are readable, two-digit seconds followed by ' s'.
3 h 59 min
